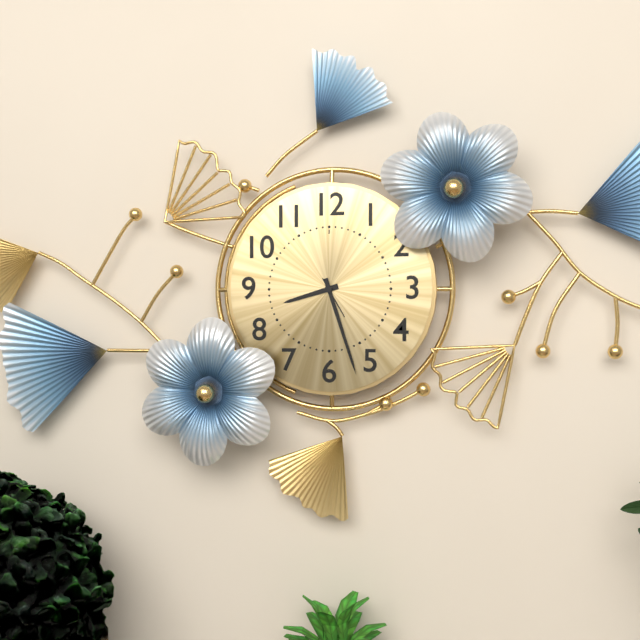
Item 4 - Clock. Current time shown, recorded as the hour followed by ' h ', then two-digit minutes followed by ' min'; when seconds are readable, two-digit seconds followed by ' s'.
8 h 27 min
